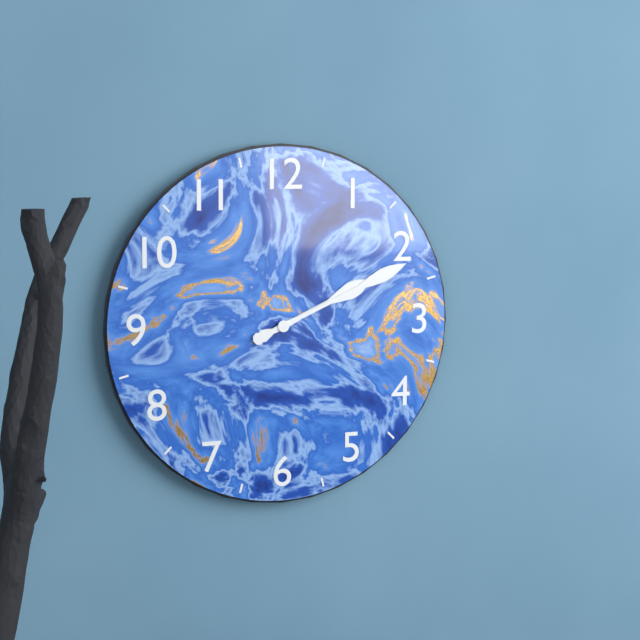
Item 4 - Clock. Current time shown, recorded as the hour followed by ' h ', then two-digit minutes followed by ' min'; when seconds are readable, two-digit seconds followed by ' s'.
2 h 11 min
